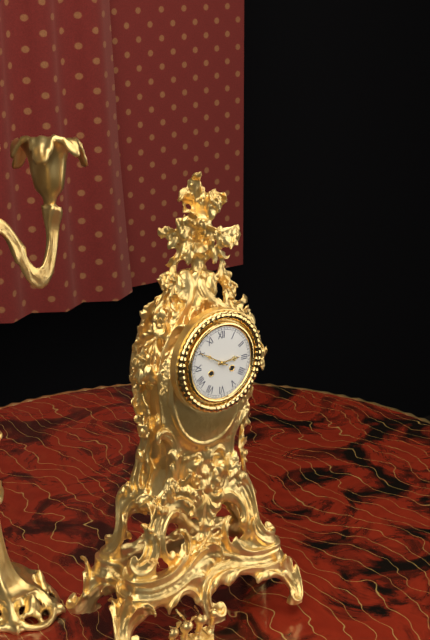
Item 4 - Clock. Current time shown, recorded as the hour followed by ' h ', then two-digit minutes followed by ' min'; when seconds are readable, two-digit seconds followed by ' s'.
2 h 50 min
